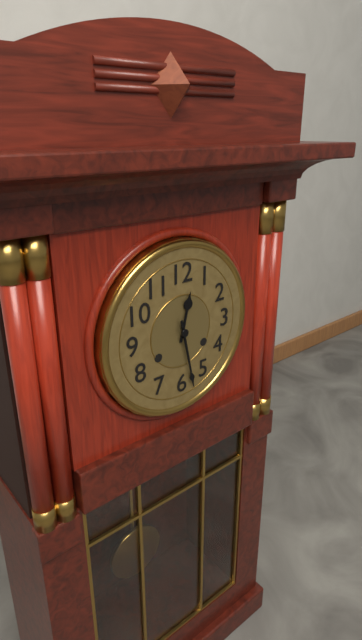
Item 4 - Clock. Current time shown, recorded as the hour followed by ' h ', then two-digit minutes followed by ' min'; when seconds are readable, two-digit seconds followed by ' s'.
12 h 28 min
